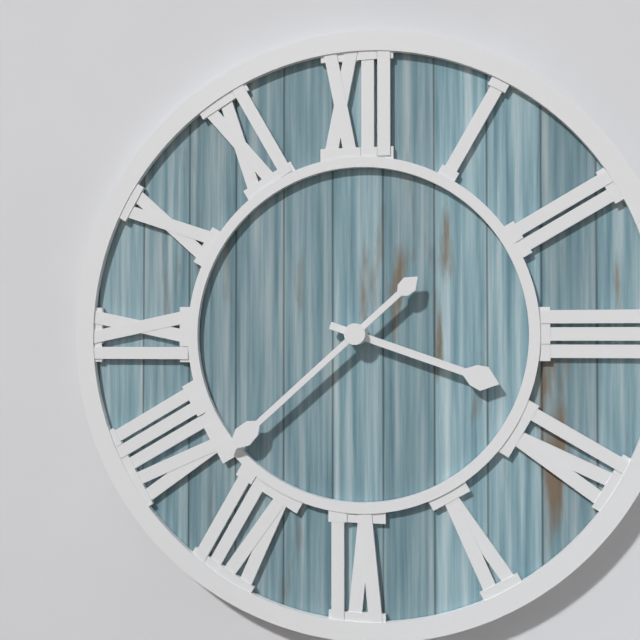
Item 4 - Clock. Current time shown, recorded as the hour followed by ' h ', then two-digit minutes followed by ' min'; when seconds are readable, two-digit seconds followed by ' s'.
3 h 38 min
